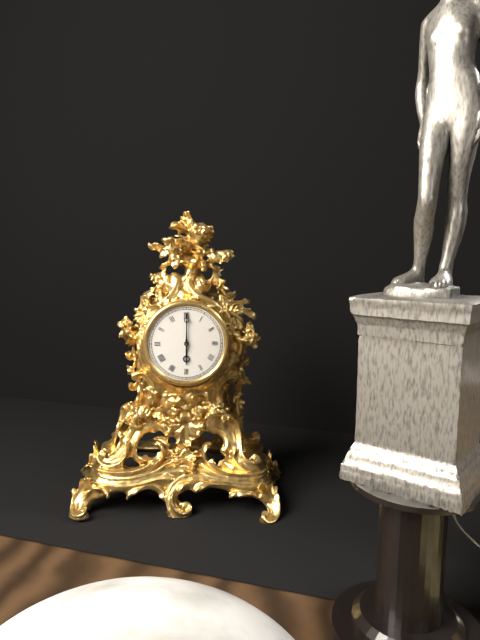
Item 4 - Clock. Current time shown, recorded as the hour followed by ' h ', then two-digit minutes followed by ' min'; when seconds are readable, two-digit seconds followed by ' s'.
6 h 00 min
